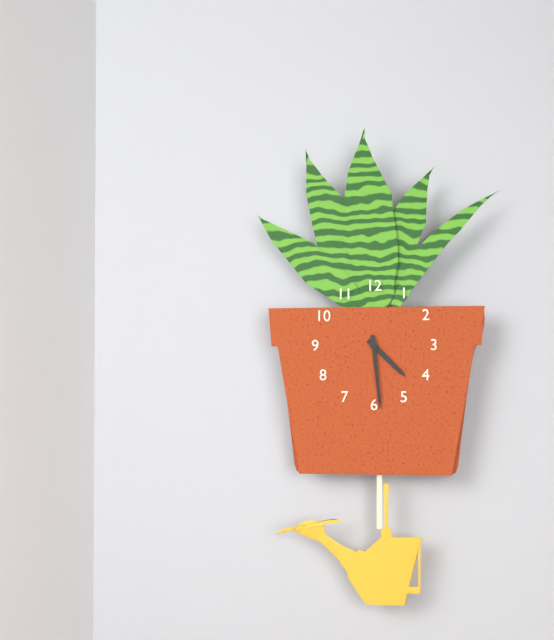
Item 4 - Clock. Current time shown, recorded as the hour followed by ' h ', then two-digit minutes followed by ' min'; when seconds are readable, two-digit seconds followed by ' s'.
4 h 29 min
